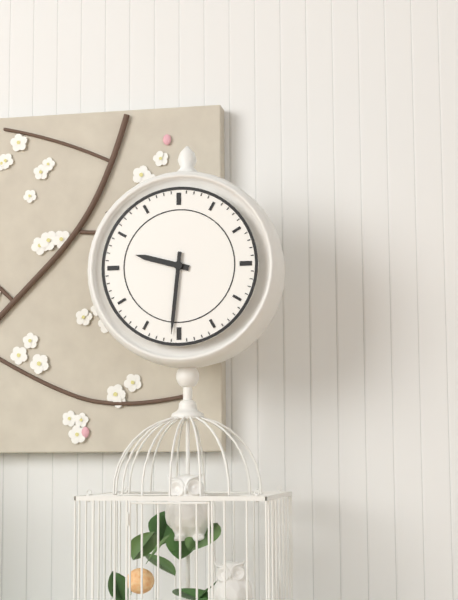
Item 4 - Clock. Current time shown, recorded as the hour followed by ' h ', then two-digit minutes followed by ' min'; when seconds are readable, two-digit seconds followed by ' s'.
9 h 31 min
